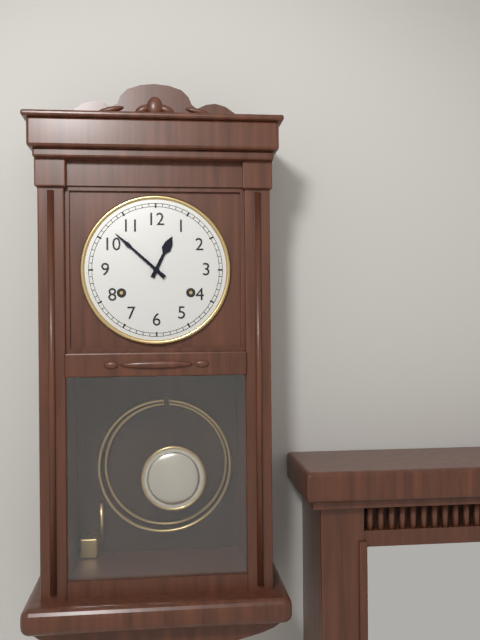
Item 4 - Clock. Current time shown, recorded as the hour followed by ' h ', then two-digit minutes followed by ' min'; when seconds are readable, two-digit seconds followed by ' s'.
12 h 52 min
